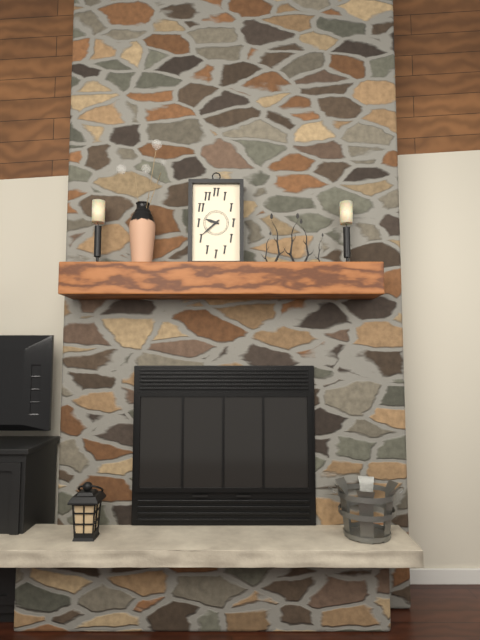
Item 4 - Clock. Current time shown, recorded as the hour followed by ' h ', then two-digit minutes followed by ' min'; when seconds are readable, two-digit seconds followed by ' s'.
9 h 38 min
